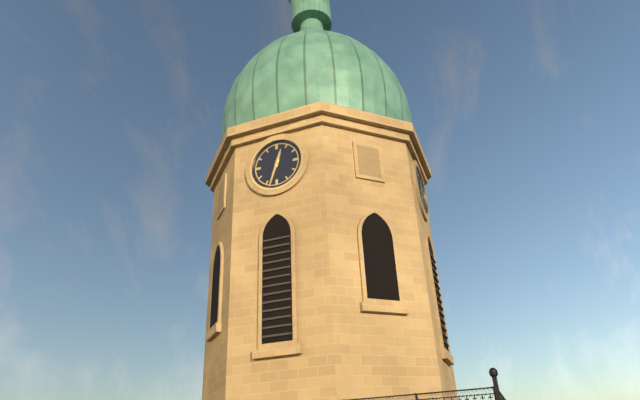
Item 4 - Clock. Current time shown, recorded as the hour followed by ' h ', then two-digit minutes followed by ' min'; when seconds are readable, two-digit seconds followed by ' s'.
12 h 33 min
